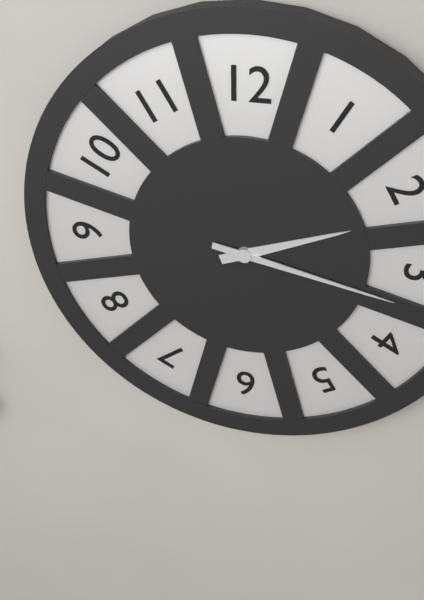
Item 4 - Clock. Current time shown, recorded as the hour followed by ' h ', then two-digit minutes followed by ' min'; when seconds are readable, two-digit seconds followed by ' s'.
2 h 17 min
